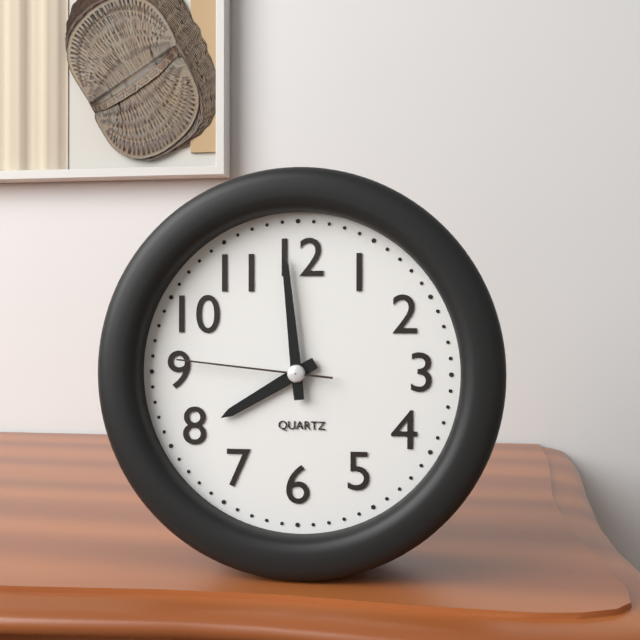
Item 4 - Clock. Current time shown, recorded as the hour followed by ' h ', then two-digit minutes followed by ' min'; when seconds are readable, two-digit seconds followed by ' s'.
7 h 59 min 46 s
